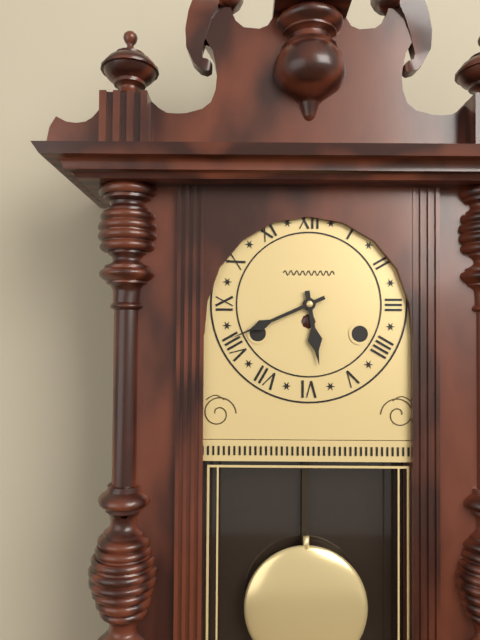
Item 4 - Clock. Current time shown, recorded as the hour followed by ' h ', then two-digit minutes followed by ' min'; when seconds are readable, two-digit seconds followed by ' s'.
5 h 41 min
